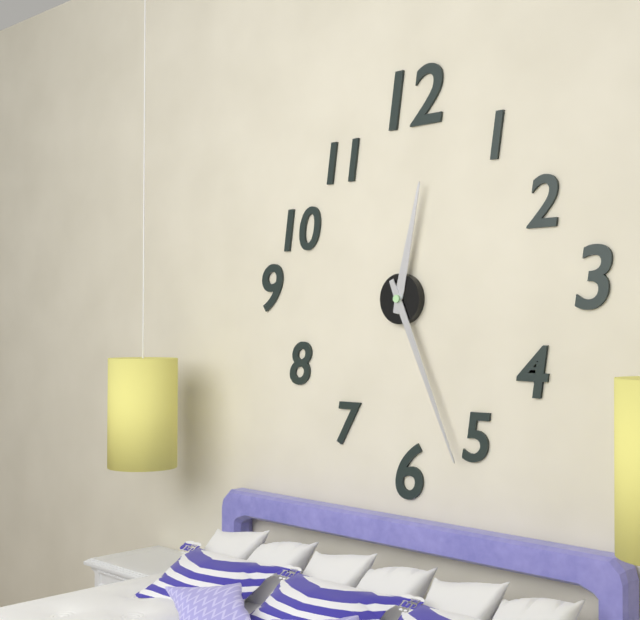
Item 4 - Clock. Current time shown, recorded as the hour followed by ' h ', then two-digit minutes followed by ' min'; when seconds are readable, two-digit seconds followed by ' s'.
12 h 26 min
